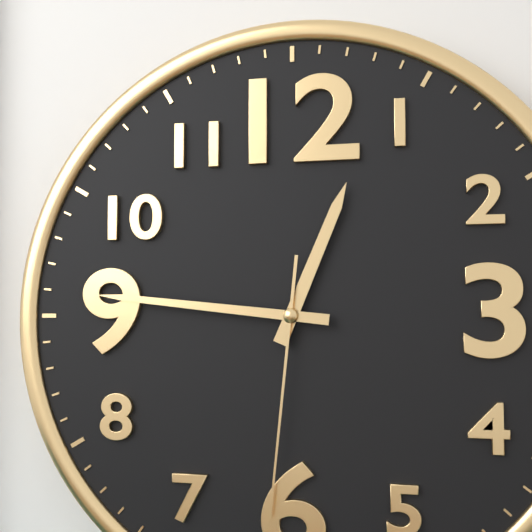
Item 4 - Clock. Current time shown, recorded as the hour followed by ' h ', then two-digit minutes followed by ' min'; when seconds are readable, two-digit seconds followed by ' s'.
12 h 46 min 31 s
